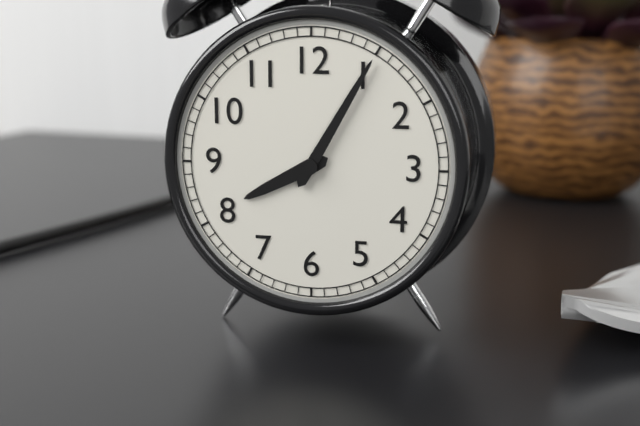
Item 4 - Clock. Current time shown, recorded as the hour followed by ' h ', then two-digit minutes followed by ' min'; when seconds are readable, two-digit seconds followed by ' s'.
8 h 05 min
